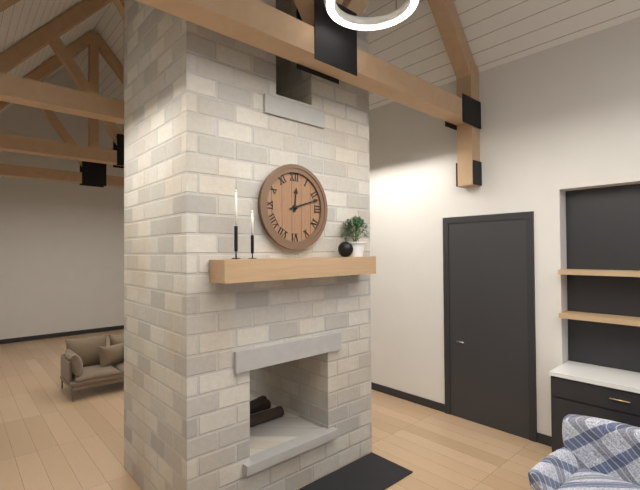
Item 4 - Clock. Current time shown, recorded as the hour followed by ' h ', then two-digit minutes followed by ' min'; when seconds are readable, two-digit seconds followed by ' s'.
12 h 12 min
